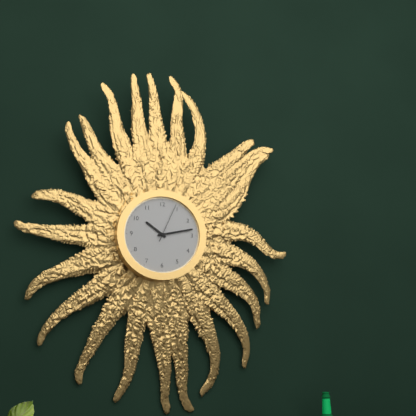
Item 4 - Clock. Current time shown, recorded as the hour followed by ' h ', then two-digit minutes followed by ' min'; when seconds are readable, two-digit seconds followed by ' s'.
10 h 13 min
